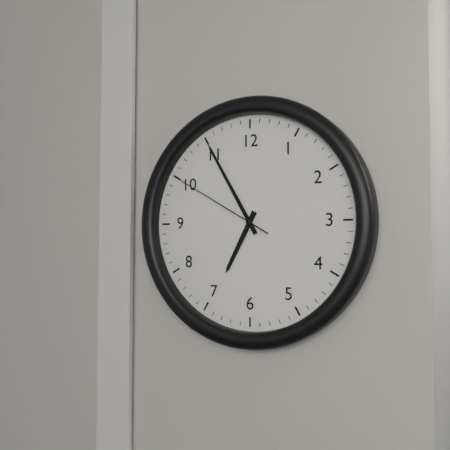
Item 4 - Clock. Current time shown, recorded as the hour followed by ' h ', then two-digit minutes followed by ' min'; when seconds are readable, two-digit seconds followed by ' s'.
6 h 55 min 50 s
